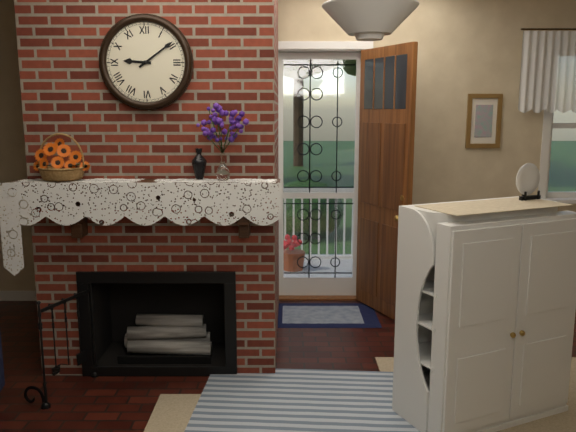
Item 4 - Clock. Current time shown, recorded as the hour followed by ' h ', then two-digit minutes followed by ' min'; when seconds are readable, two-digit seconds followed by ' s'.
9 h 09 min
